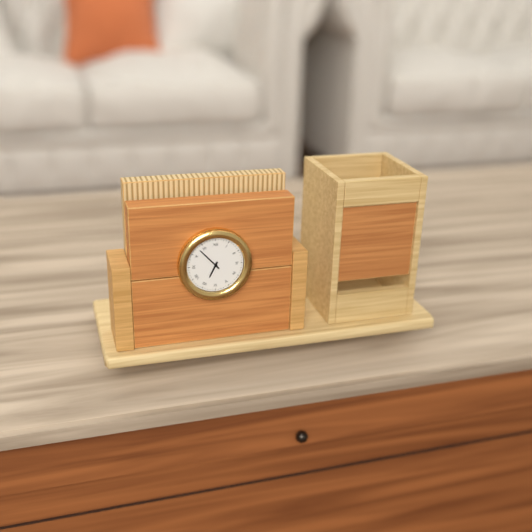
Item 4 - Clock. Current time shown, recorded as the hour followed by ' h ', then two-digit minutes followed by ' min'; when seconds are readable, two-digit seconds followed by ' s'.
6 h 53 min
